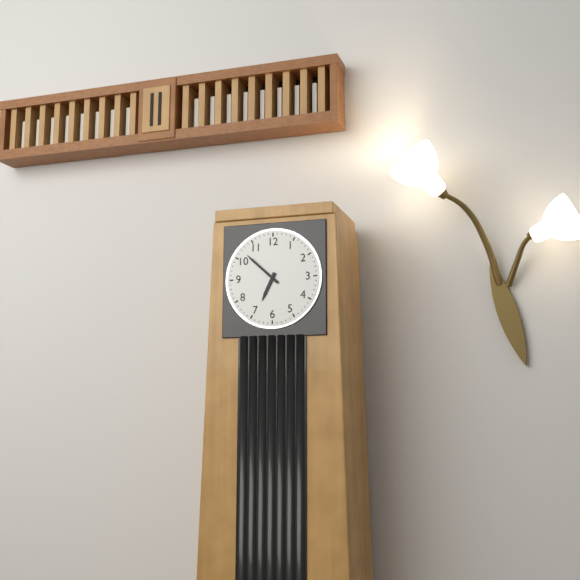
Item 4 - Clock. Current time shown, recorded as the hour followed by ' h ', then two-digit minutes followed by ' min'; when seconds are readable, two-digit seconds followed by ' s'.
6 h 52 min
